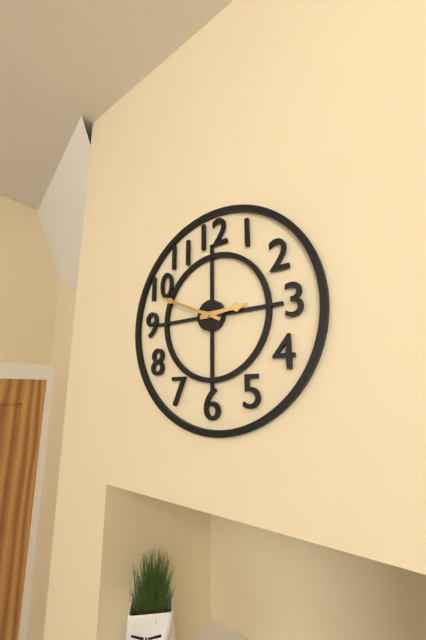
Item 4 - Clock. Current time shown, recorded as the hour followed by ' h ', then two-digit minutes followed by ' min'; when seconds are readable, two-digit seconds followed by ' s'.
2 h 49 min
